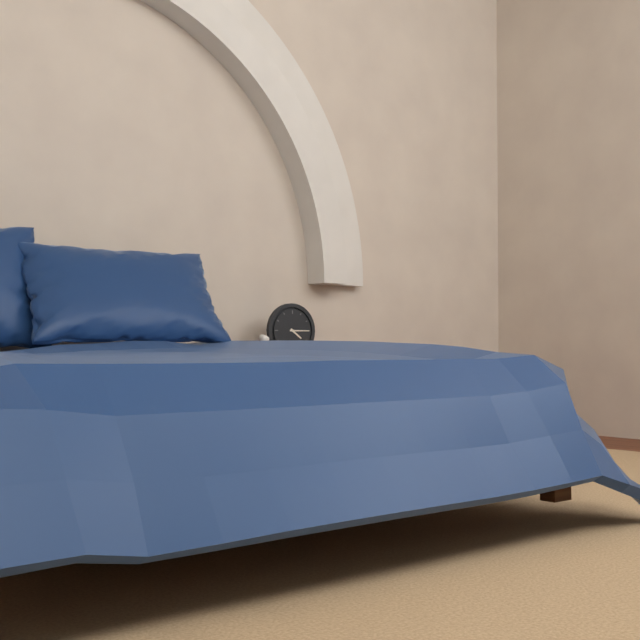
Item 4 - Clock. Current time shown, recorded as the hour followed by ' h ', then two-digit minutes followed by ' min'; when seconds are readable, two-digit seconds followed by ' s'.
4 h 15 min
